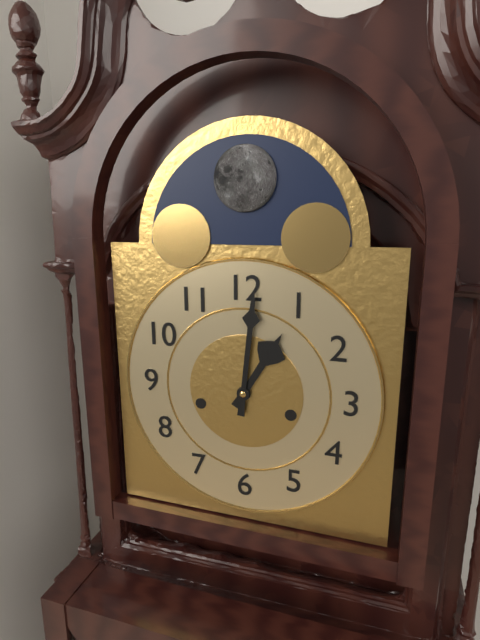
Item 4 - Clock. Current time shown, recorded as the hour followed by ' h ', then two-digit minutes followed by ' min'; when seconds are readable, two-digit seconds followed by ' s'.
1 h 01 min
